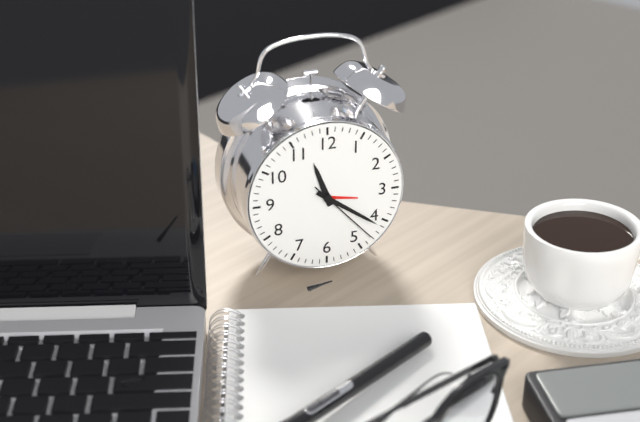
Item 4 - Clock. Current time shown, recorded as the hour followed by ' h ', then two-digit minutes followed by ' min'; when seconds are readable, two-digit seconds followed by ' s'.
11 h 21 min 23 s
